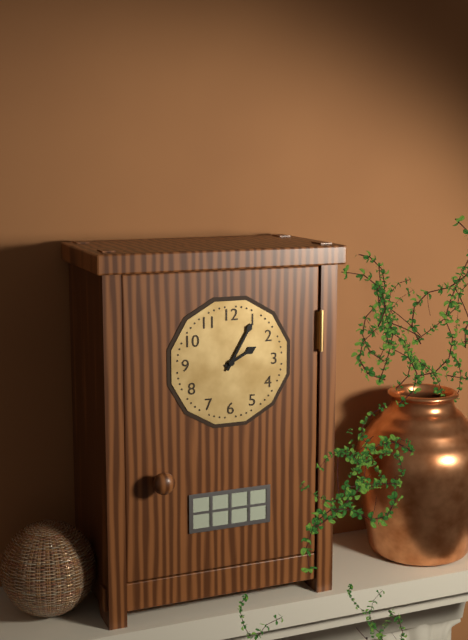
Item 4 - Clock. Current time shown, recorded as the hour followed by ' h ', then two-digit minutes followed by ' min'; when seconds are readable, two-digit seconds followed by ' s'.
2 h 05 min
